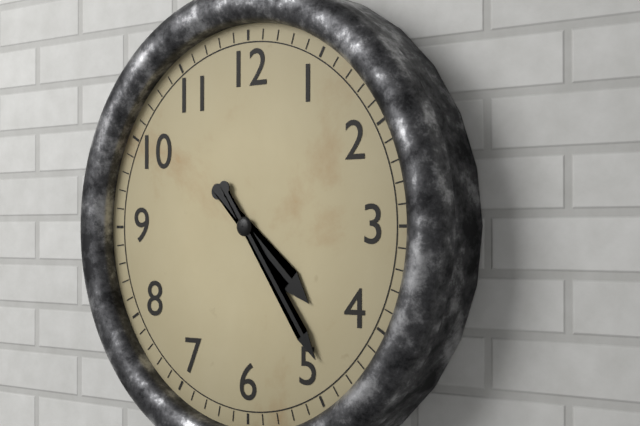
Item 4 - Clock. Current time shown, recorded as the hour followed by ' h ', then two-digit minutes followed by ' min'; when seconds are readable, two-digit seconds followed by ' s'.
4 h 24 min
